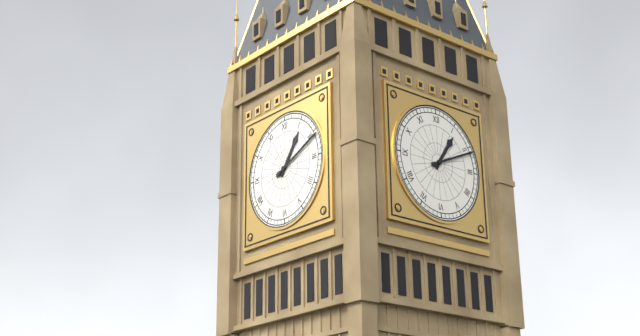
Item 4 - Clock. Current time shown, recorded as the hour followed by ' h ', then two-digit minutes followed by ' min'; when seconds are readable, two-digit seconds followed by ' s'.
1 h 11 min
